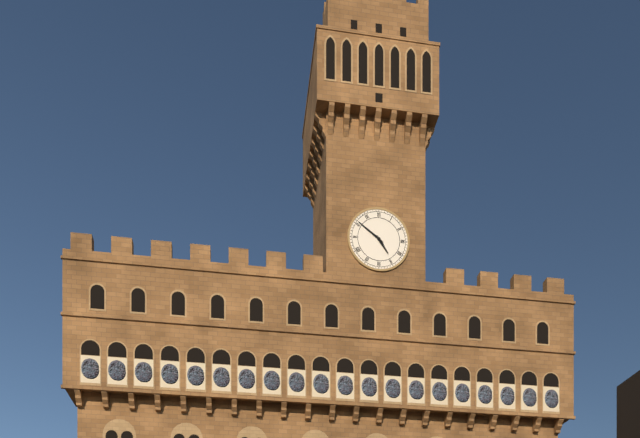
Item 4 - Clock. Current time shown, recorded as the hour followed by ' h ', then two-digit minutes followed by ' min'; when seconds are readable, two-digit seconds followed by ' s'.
4 h 51 min
